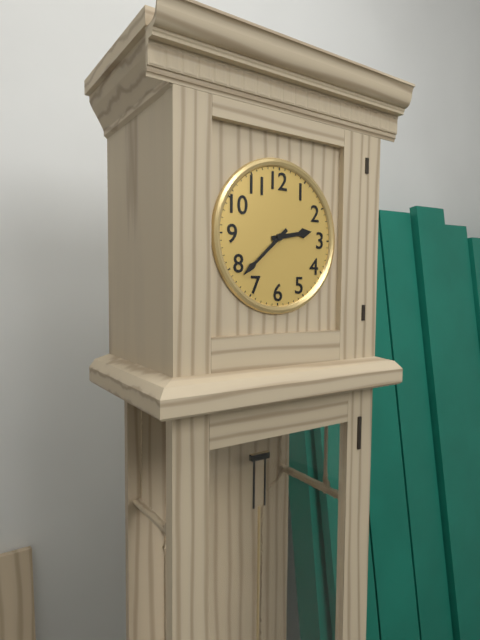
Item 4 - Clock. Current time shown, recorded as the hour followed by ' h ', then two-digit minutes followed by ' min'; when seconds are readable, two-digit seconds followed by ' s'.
2 h 38 min
